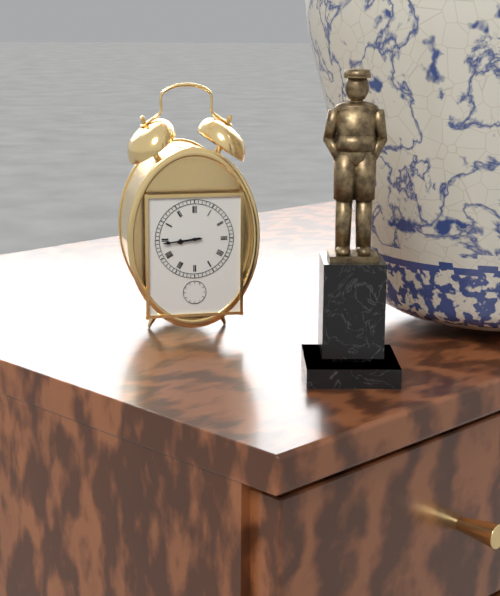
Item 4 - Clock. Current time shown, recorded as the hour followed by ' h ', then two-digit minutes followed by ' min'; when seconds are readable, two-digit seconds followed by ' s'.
8 h 44 min
